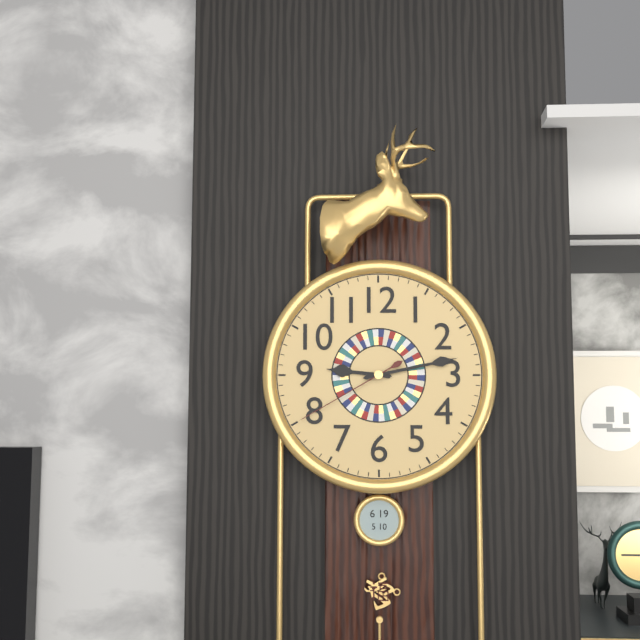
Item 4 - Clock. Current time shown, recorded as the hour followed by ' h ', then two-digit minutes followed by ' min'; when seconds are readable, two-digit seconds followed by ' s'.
9 h 13 min 40 s
